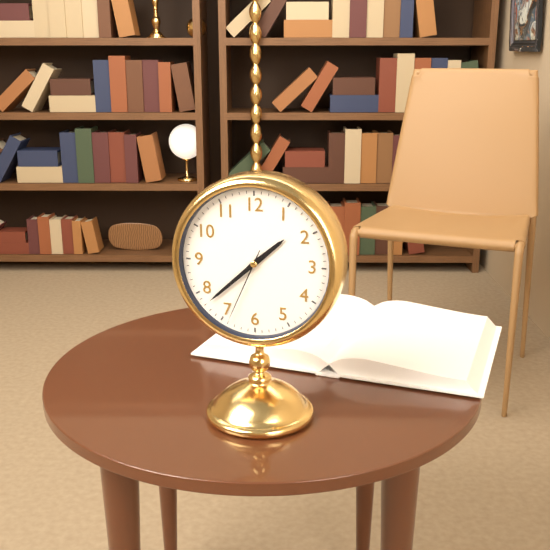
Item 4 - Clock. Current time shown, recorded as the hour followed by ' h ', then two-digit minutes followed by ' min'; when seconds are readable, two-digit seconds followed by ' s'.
1 h 38 min 34 s
